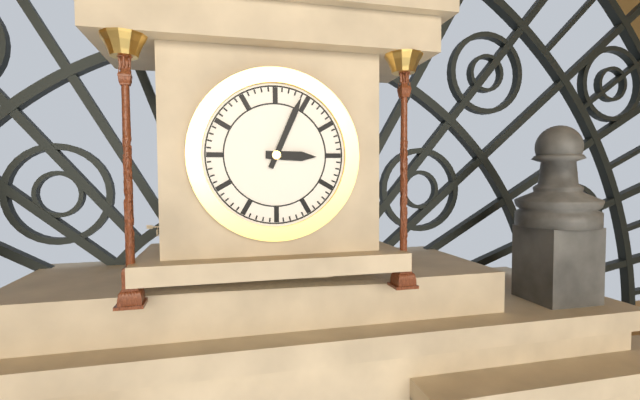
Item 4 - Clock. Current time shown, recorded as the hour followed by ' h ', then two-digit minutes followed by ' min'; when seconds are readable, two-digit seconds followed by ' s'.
3 h 04 min
